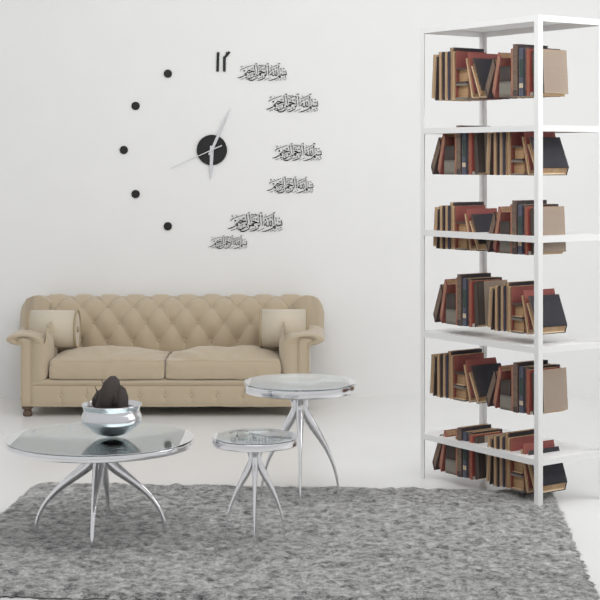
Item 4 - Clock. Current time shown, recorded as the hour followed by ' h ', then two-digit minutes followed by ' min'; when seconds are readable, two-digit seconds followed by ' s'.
6 h 04 min 41 s
